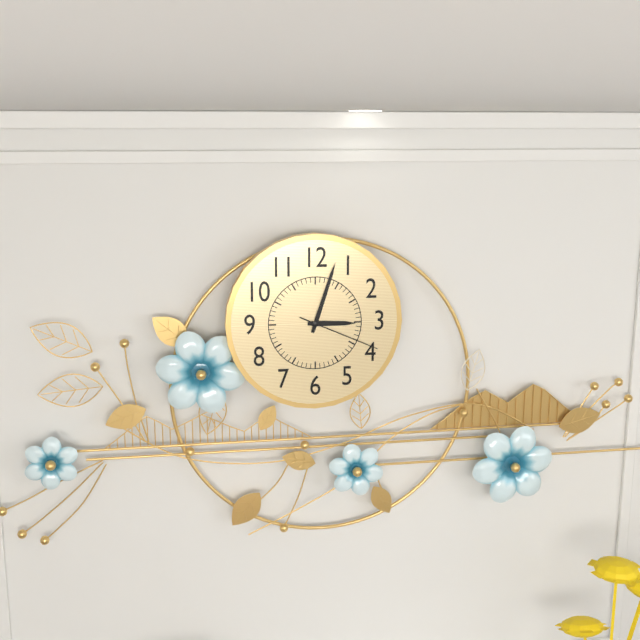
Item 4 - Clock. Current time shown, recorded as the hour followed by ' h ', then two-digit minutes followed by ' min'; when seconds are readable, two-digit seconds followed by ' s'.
3 h 03 min 19 s
